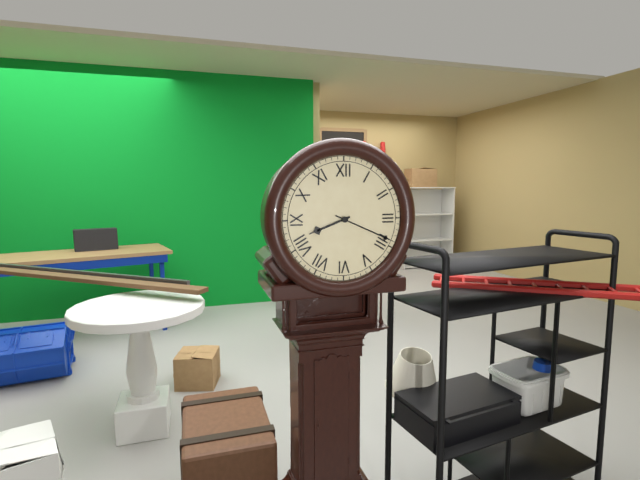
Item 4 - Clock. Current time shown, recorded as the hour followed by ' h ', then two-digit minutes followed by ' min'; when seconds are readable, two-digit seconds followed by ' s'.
8 h 19 min
